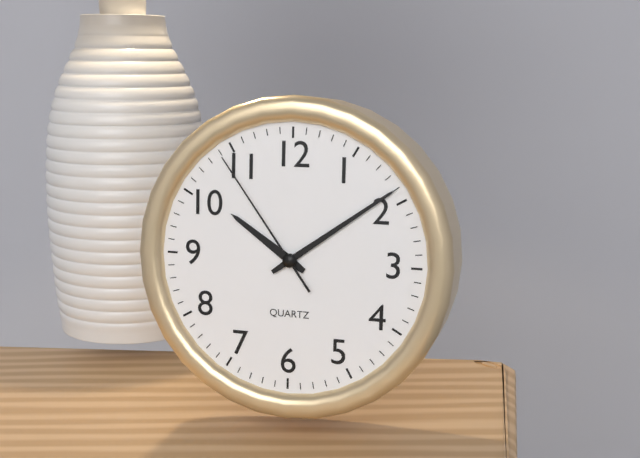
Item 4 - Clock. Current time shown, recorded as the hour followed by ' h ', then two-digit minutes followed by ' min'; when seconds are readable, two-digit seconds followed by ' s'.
10 h 09 min 54 s
